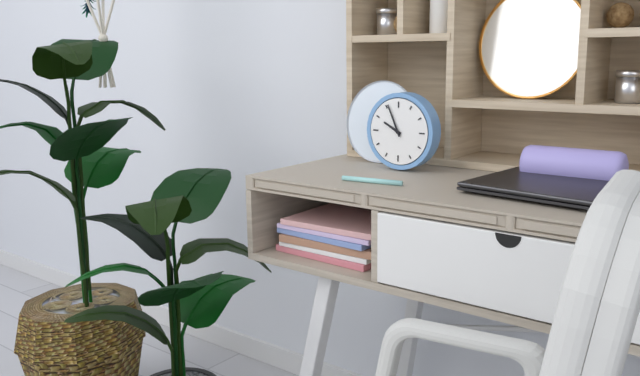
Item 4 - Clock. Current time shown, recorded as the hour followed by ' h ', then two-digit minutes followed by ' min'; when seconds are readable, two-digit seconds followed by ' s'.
9 h 56 min
